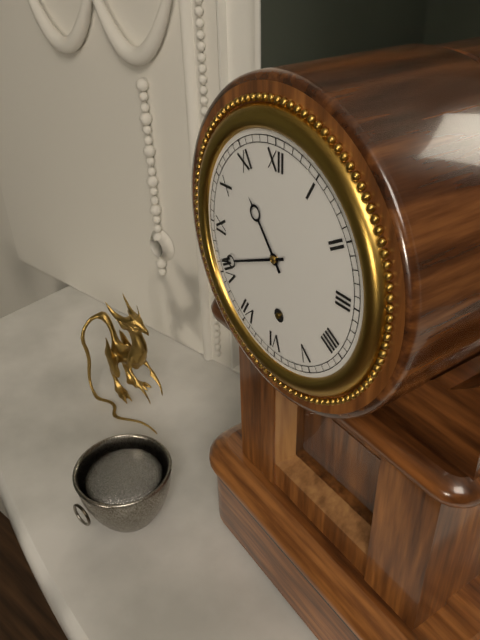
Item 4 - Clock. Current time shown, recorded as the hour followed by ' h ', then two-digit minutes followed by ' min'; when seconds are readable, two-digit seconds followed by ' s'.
10 h 41 min
